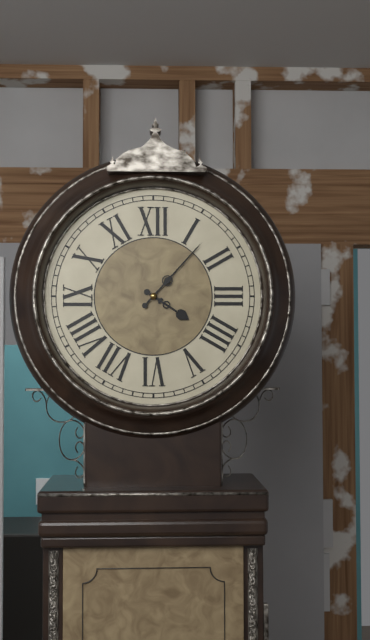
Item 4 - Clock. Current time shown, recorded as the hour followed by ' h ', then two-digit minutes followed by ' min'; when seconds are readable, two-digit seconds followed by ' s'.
4 h 07 min
